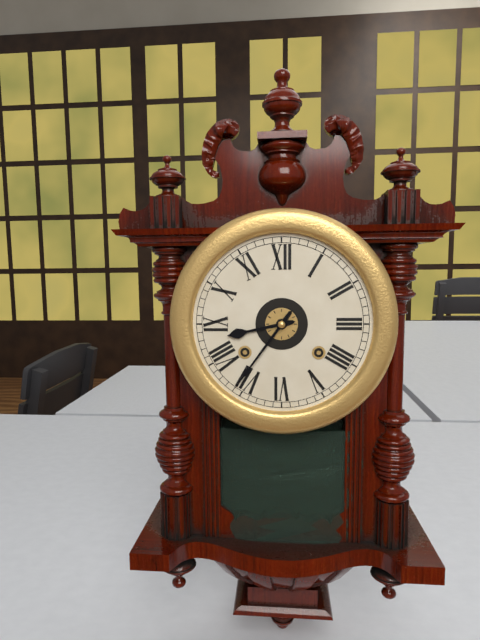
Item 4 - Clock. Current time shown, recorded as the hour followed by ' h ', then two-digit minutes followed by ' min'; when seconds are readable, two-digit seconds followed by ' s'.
8 h 36 min
